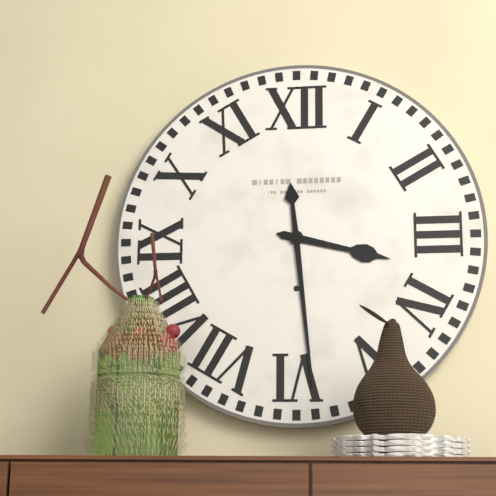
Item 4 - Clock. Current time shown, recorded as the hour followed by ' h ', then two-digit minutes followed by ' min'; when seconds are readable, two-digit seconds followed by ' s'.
3 h 29 min
